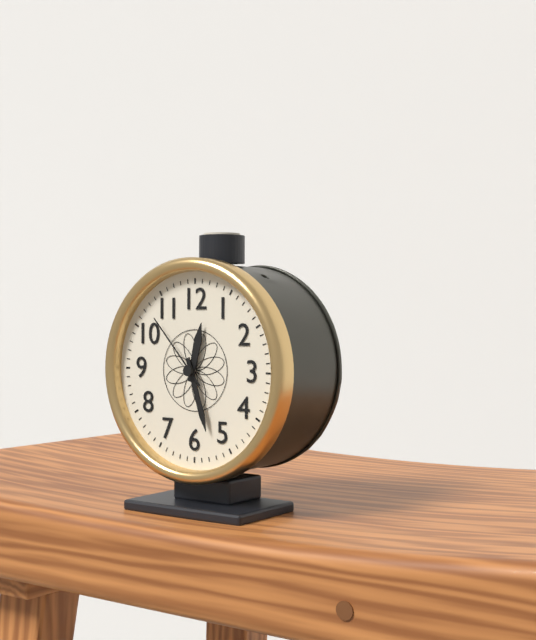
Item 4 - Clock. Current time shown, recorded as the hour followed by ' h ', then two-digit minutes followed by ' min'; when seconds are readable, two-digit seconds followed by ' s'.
12 h 27 min 53 s
